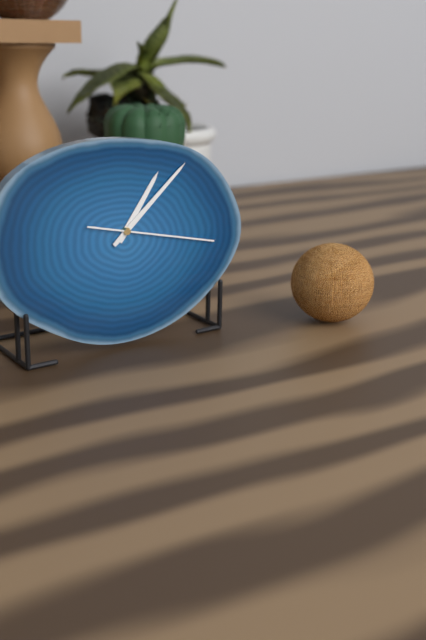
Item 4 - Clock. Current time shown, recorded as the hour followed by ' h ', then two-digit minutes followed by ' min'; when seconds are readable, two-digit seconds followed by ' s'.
1 h 08 min 17 s
